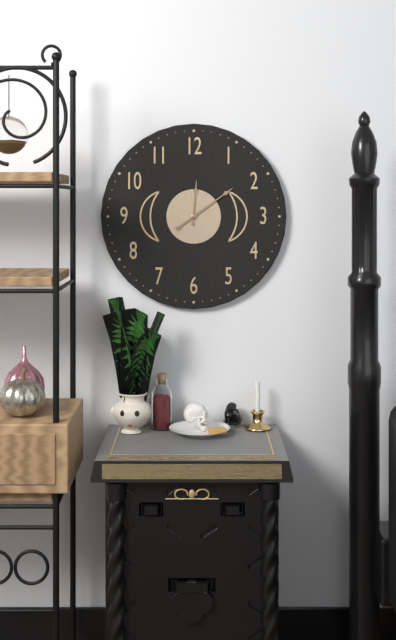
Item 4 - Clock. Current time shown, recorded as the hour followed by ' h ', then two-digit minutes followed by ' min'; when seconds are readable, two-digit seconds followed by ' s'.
12 h 09 min
